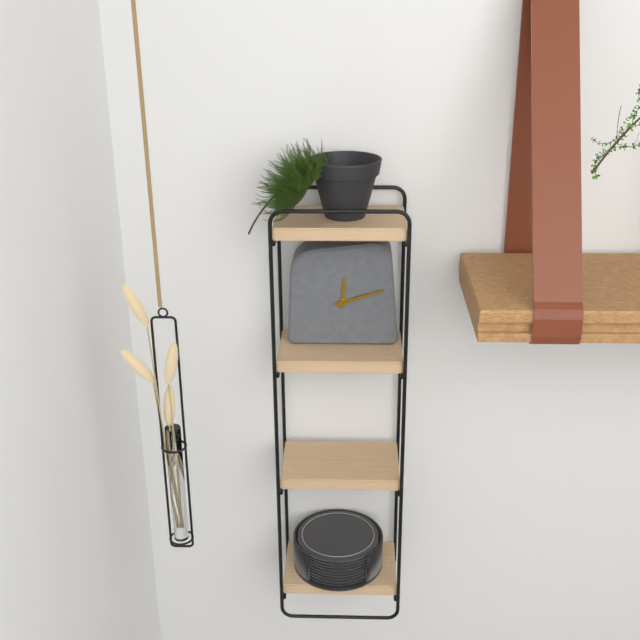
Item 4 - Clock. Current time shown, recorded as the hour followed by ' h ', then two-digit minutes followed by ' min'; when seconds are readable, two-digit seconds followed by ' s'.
12 h 12 min
